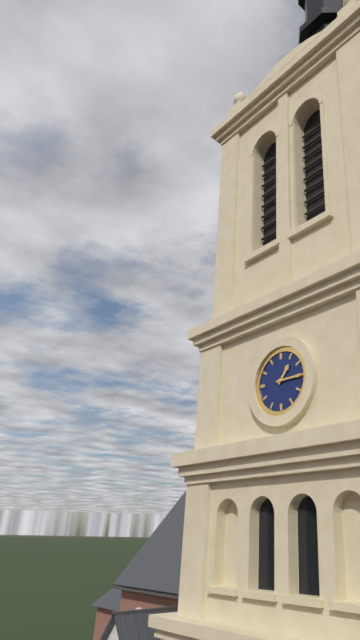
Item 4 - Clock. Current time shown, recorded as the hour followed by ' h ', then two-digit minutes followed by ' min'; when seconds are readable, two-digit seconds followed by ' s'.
1 h 15 min
